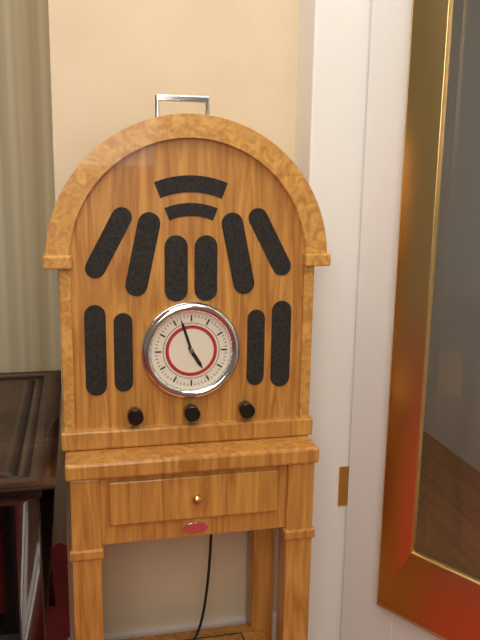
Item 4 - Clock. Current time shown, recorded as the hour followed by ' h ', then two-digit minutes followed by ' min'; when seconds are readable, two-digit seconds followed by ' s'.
4 h 57 min
